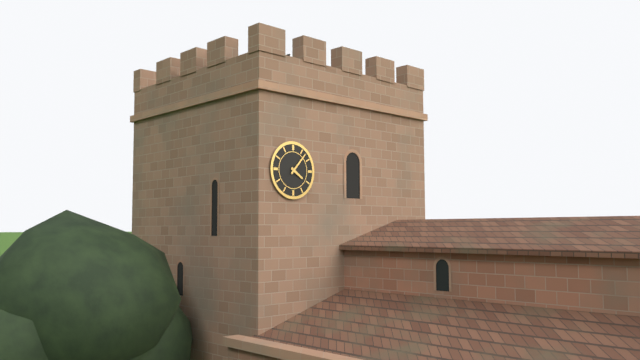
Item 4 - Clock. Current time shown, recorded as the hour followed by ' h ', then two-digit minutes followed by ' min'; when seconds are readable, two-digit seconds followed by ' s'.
4 h 07 min
